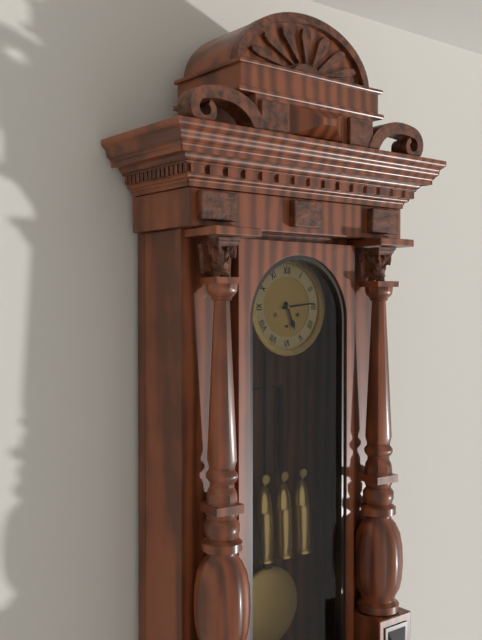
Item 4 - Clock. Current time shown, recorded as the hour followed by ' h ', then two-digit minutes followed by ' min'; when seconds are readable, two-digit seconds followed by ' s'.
5 h 14 min
